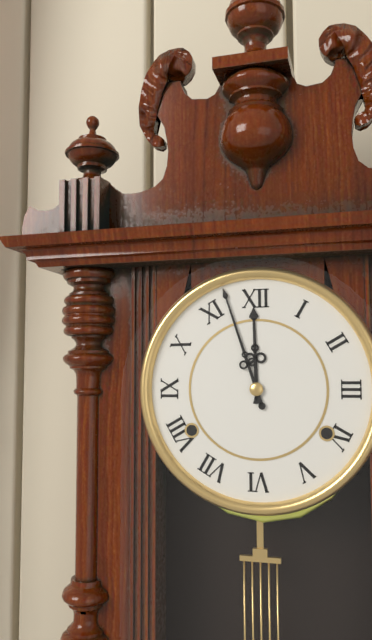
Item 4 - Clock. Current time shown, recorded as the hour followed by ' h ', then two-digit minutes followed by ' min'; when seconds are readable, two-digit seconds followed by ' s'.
11 h 57 min
